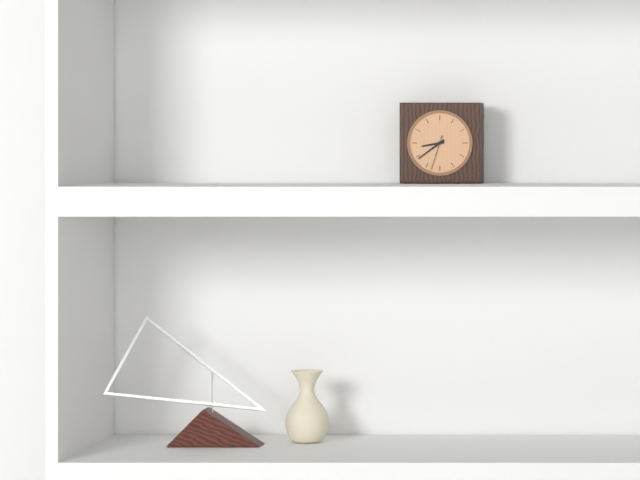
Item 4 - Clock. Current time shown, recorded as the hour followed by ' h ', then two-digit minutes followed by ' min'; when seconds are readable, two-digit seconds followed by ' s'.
8 h 39 min
